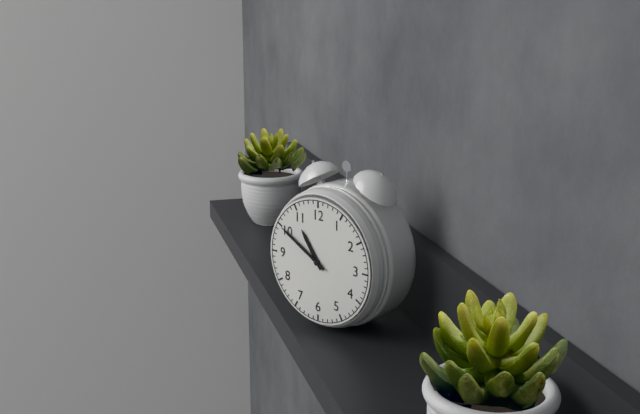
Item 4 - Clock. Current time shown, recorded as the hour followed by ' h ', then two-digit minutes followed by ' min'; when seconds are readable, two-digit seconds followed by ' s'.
10 h 50 min
